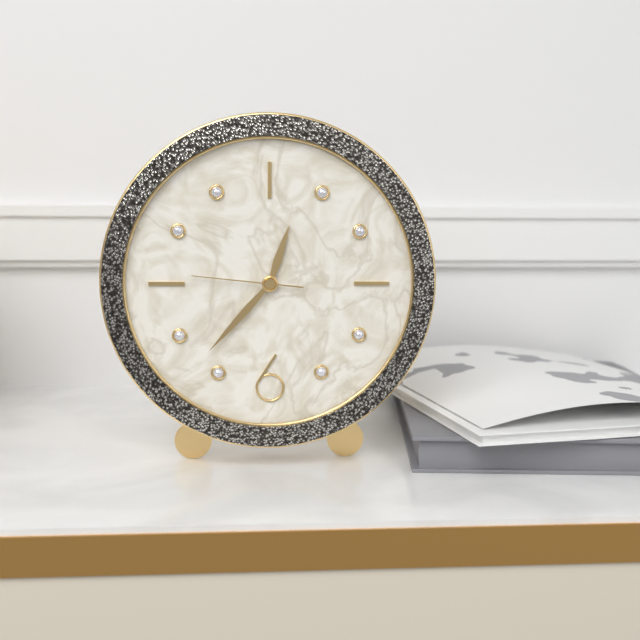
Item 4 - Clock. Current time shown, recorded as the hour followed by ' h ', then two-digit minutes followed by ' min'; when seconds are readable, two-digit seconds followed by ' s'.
12 h 37 min 46 s
